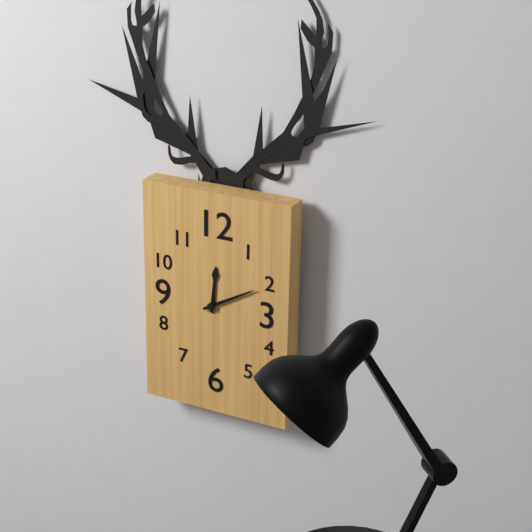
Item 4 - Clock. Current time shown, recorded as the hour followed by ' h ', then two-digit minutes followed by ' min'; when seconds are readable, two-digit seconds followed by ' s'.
12 h 10 min
